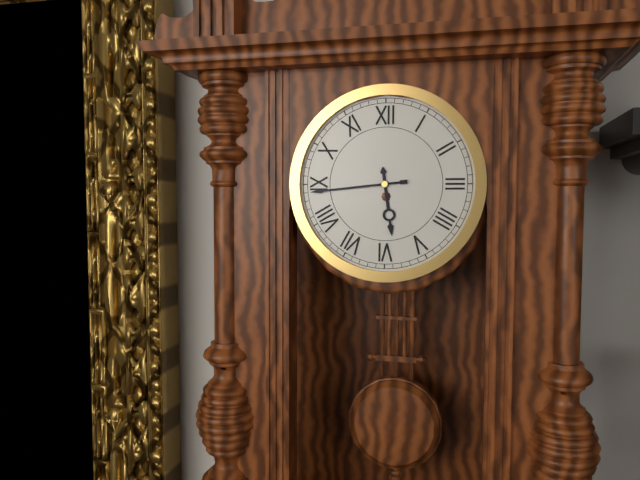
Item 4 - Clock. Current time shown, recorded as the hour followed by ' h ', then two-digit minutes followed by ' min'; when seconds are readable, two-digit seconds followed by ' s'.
5 h 44 min
